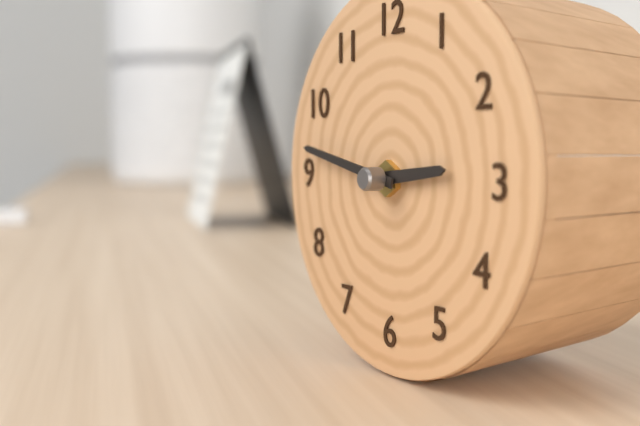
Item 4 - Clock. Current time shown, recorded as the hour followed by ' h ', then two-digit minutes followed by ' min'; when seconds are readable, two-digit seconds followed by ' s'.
2 h 47 min
